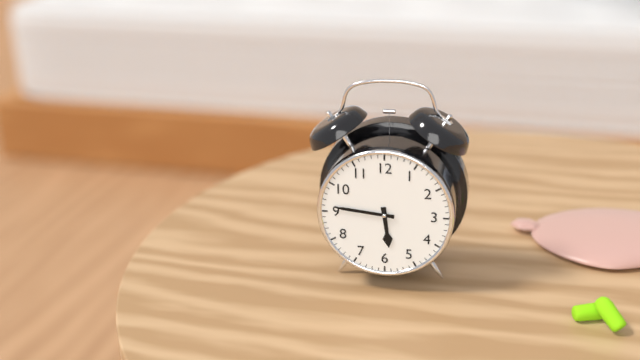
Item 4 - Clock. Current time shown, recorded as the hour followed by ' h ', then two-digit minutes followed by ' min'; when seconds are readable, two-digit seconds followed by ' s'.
5 h 46 min
